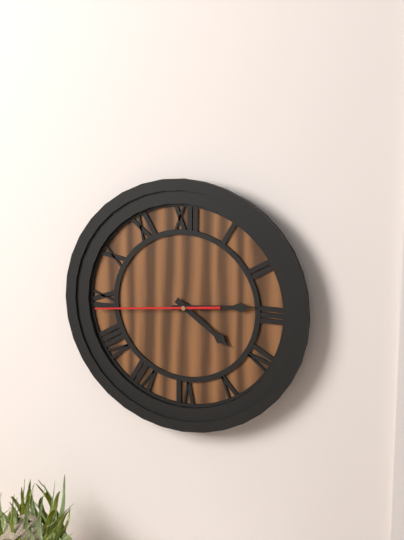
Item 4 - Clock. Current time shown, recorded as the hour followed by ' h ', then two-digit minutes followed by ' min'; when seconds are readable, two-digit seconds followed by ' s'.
4 h 14 min 44 s
